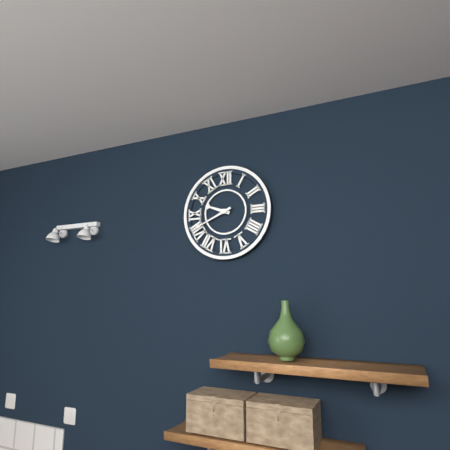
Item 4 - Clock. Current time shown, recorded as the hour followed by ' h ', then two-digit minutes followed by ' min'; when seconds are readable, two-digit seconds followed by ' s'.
9 h 41 min
